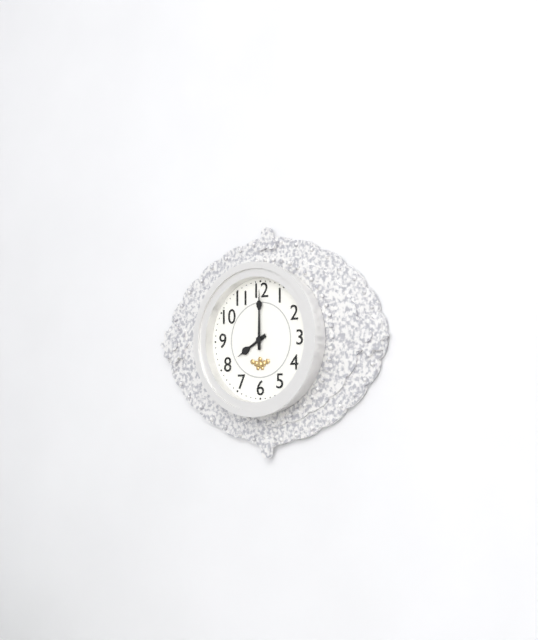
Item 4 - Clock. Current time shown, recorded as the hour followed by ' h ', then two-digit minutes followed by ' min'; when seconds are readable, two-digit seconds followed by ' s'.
8 h 00 min
